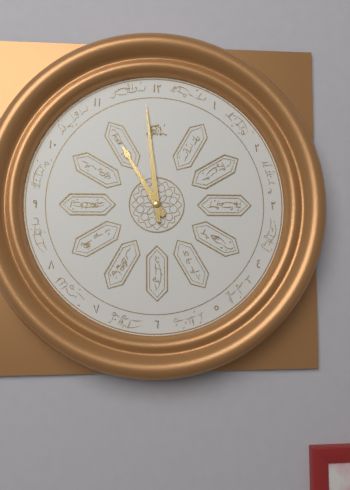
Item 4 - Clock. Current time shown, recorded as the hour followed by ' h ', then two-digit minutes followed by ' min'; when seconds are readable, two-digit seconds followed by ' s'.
10 h 59 min
